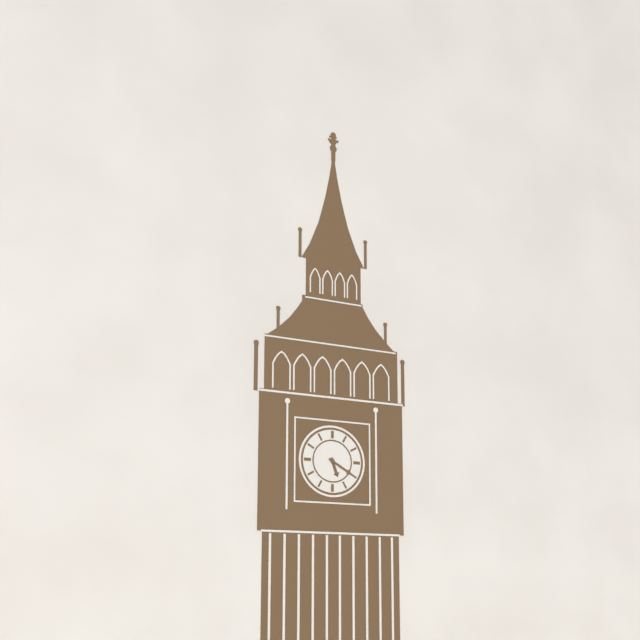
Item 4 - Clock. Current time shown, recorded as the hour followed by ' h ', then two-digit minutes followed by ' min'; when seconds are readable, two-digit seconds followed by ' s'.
5 h 20 min
